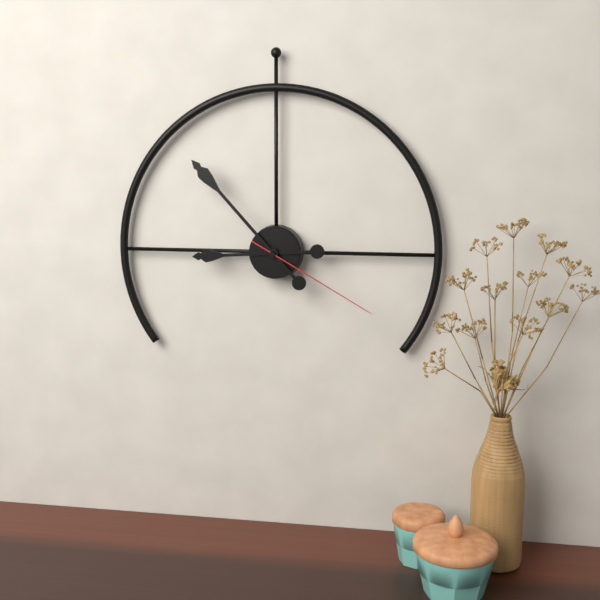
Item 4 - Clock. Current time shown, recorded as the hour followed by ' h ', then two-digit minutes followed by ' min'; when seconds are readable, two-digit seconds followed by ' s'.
8 h 53 min 20 s
